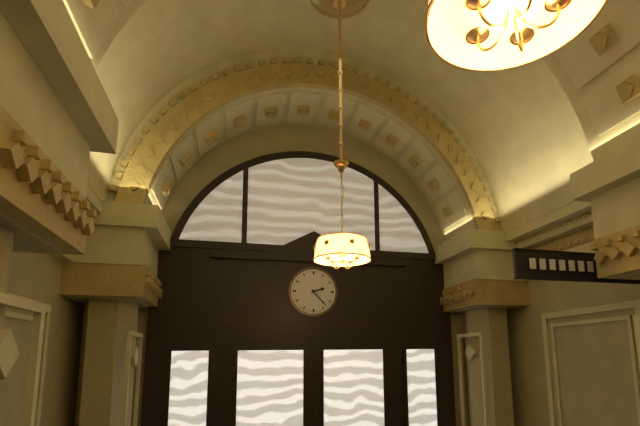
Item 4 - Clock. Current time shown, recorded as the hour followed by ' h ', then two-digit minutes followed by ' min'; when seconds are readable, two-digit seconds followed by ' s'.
2 h 23 min
